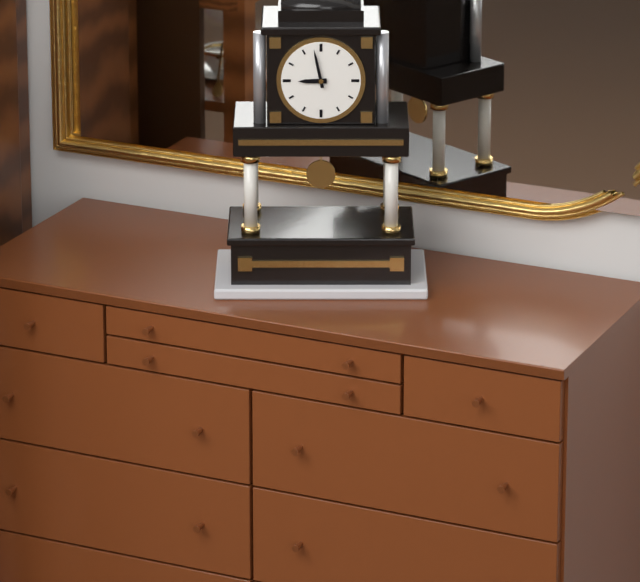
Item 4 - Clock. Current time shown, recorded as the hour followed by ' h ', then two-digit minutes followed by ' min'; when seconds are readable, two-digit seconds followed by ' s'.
8 h 58 min
